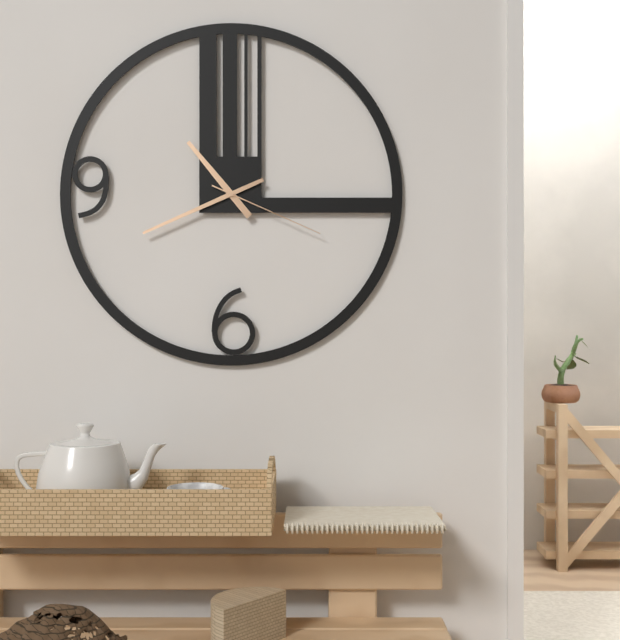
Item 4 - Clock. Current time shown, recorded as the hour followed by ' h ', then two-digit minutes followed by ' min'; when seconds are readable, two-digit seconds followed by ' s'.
10 h 41 min 19 s
